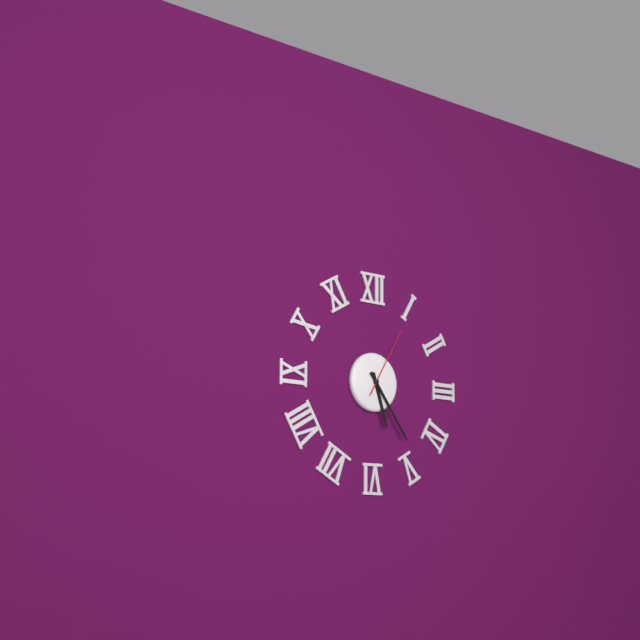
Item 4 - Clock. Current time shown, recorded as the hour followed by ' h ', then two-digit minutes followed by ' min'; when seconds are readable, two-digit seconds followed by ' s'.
5 h 24 min 05 s
